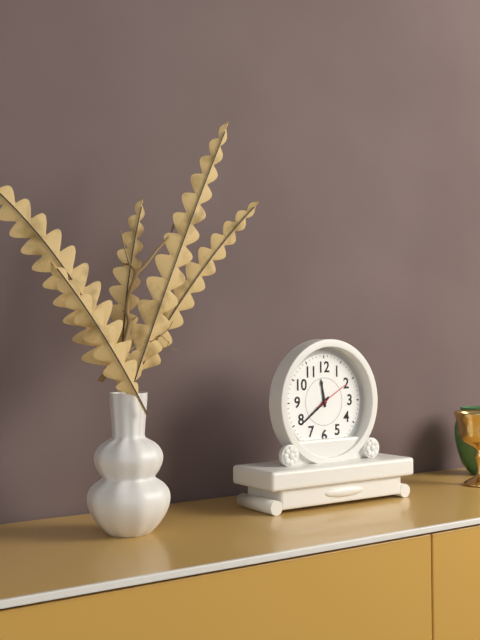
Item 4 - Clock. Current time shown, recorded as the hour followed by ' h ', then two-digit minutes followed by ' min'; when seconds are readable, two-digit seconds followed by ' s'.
11 h 39 min
